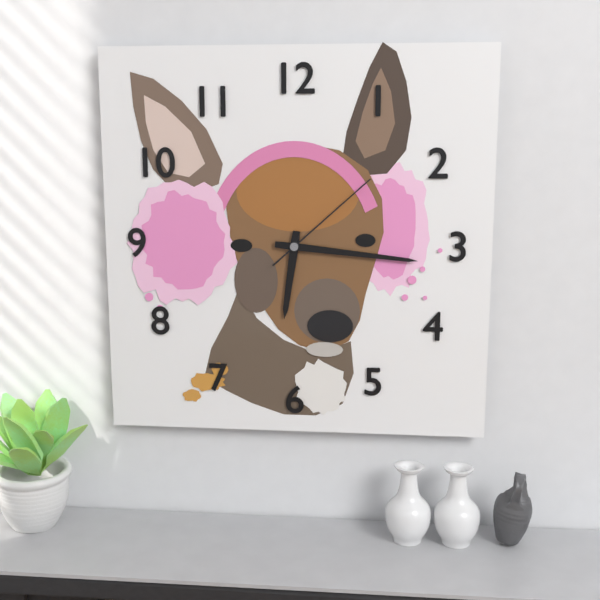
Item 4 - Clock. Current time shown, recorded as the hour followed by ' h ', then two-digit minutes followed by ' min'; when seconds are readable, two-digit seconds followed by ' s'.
6 h 16 min 08 s
